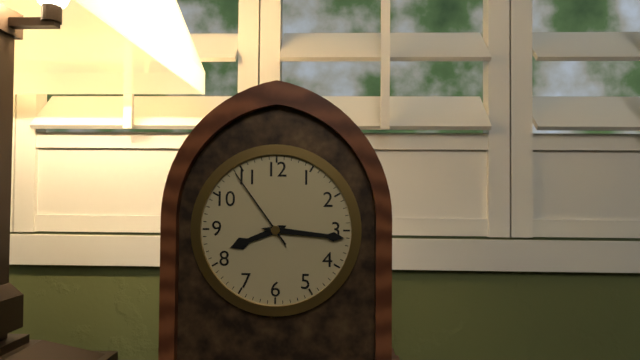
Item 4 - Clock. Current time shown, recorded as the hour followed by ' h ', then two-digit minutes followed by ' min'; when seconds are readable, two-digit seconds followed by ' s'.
8 h 16 min 54 s
